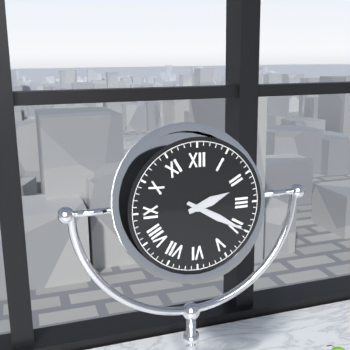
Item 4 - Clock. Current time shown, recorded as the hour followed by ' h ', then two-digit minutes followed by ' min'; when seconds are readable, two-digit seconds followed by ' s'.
2 h 20 min
